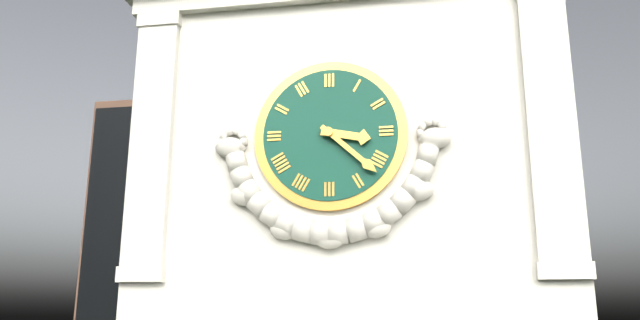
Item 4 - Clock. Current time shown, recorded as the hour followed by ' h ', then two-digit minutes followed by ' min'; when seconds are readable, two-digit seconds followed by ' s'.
3 h 22 min
